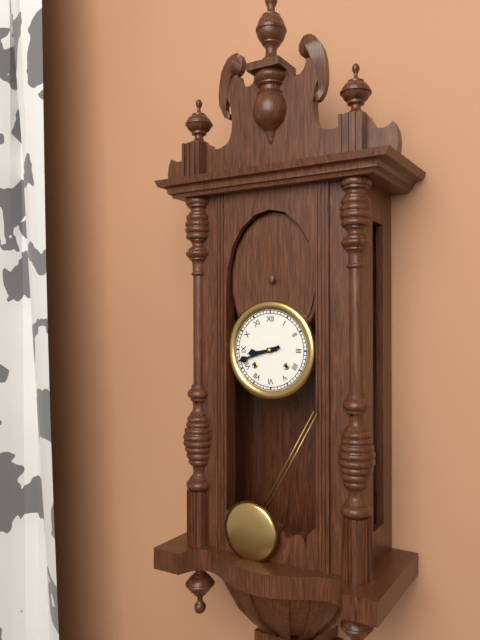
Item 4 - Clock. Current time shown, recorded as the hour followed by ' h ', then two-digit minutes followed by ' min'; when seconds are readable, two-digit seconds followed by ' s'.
8 h 42 min
